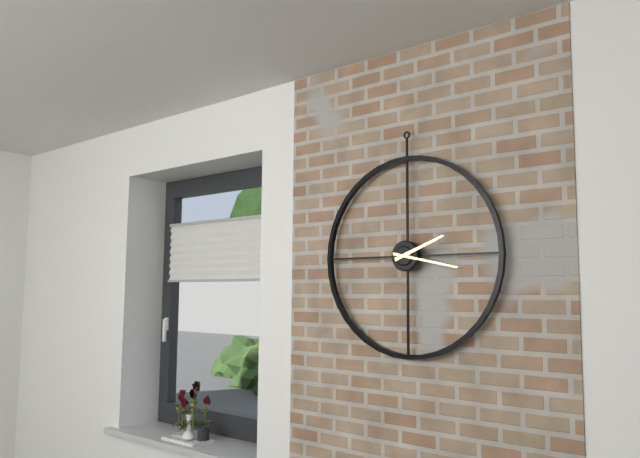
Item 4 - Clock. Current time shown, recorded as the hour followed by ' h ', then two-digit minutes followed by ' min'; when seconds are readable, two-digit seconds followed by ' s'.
2 h 17 min
